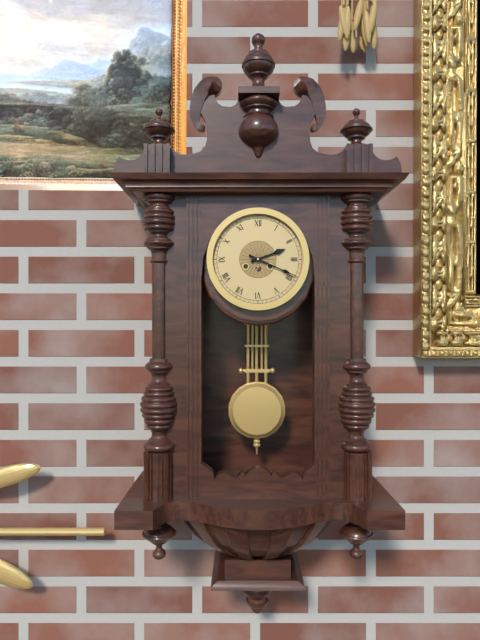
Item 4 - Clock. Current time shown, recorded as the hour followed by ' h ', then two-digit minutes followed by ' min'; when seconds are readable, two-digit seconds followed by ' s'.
2 h 19 min
